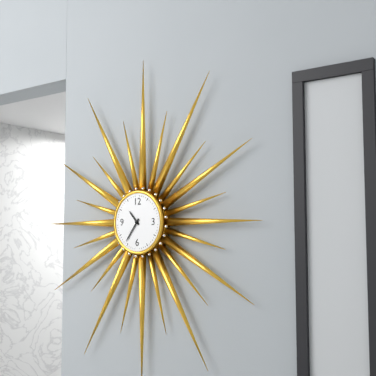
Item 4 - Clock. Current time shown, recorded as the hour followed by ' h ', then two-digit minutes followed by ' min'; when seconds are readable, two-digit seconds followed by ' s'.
10 h 36 min
